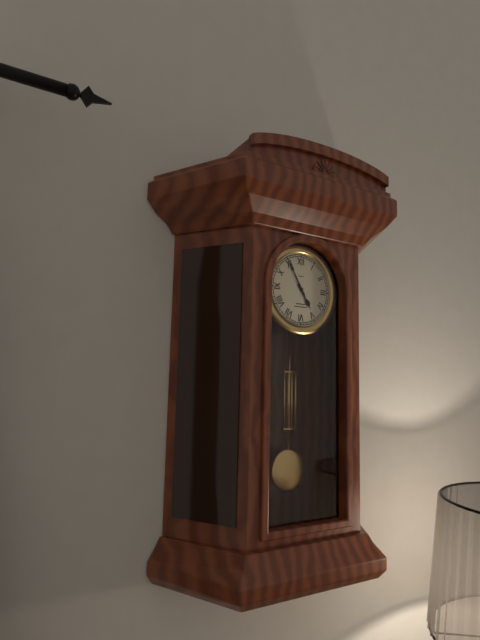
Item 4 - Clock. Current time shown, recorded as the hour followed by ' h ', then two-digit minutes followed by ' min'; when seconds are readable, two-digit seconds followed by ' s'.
4 h 55 min
